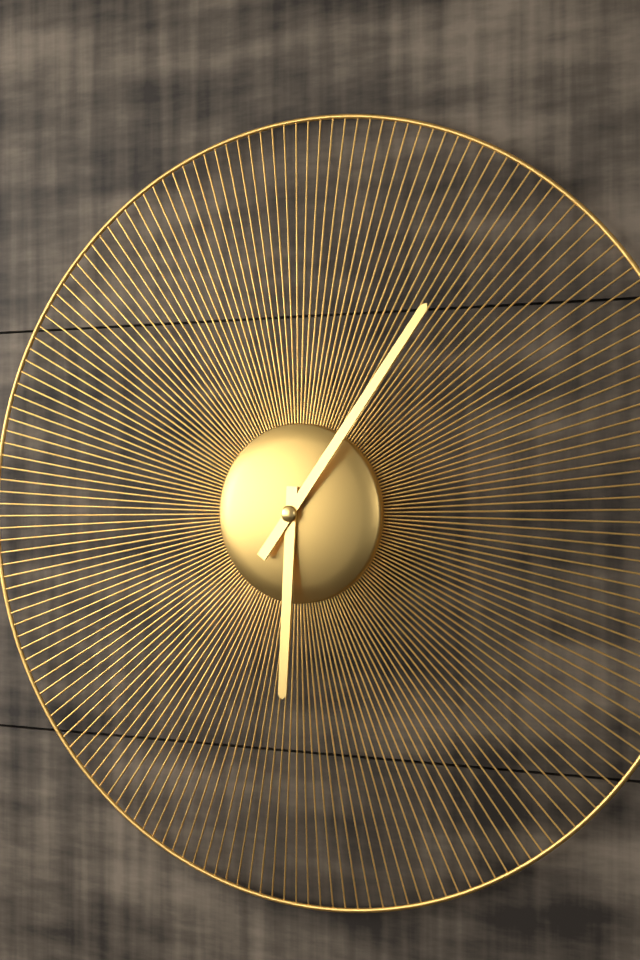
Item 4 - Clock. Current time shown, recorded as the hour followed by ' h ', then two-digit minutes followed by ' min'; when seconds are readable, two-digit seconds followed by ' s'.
6 h 06 min
